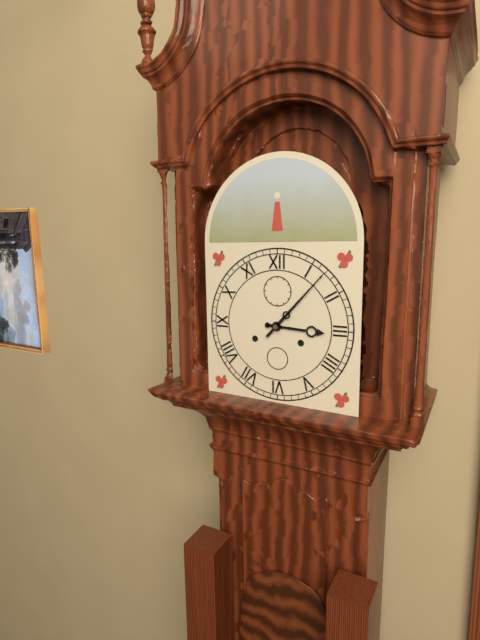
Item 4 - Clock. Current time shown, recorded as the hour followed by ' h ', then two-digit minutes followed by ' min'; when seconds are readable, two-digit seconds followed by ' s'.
3 h 07 min
